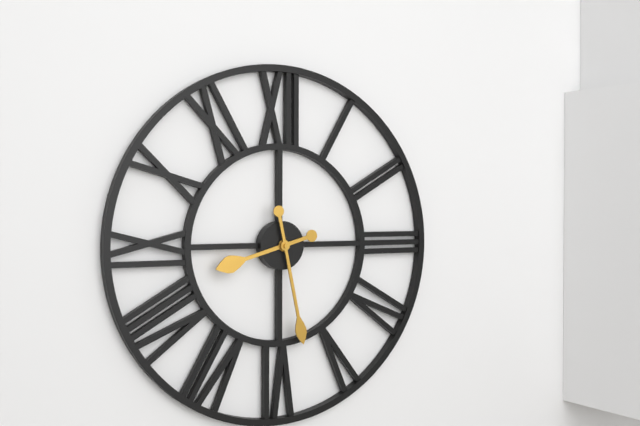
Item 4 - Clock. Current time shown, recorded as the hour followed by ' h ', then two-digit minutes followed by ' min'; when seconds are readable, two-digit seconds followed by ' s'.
8 h 28 min
